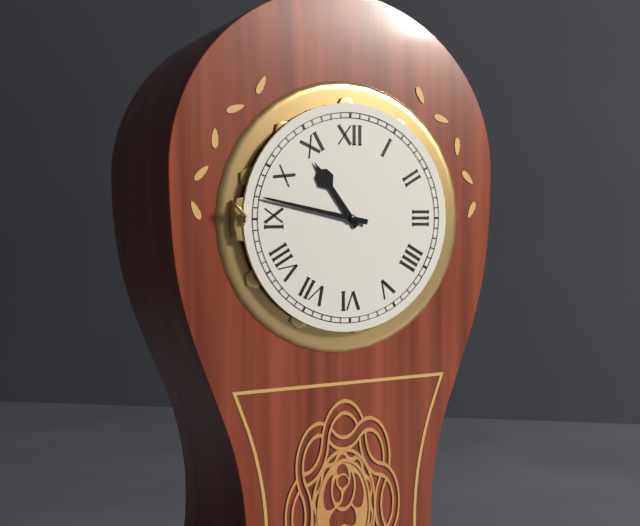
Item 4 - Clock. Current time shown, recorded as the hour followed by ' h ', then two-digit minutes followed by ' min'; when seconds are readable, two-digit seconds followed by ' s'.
10 h 47 min
